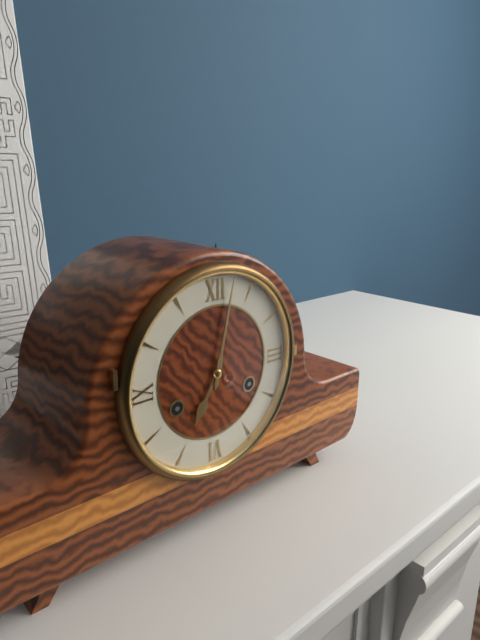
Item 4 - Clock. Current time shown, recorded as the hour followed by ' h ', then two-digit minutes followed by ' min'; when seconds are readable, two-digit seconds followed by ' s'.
7 h 02 min
